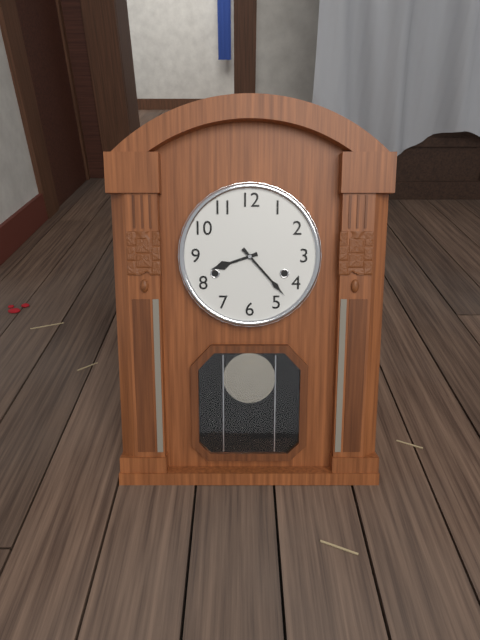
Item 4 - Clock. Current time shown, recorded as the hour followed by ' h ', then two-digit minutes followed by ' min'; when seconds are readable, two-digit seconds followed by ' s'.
8 h 23 min
